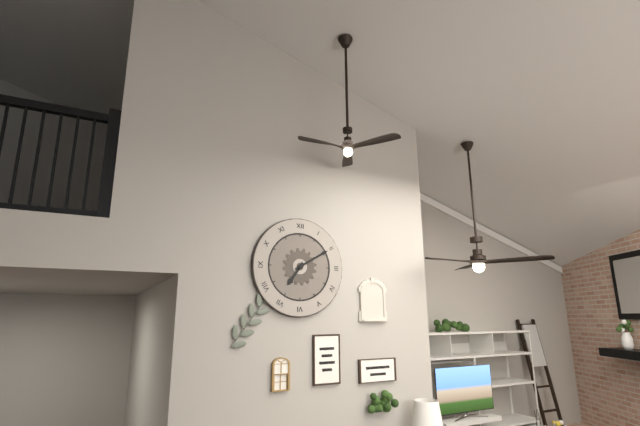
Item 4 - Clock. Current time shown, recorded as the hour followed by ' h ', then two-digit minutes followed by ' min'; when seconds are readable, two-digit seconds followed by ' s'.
7 h 10 min
